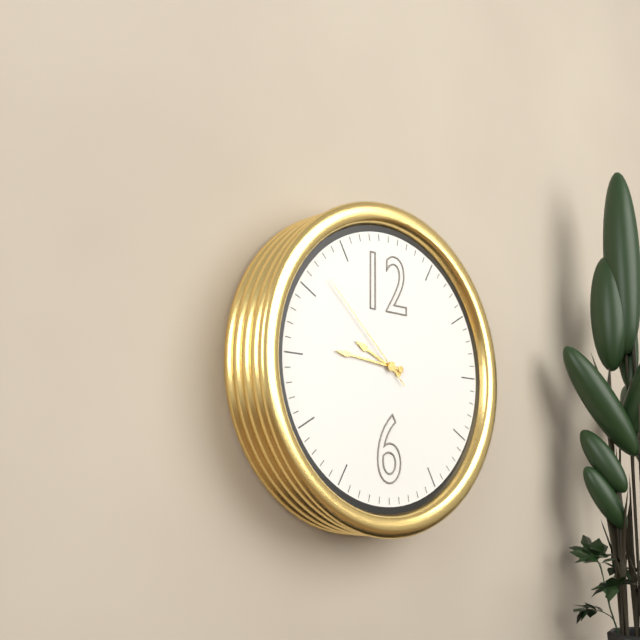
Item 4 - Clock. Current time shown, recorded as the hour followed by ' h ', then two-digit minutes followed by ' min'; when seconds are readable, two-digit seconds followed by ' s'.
9 h 46 min 52 s
